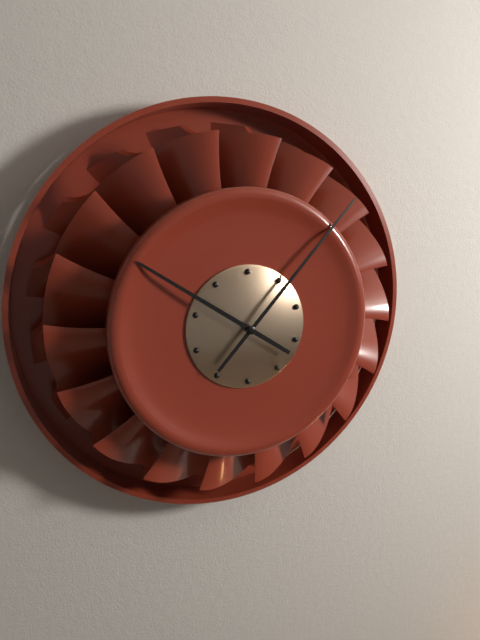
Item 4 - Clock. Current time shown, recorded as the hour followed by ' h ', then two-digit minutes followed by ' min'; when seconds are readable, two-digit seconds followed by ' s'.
10 h 07 min
